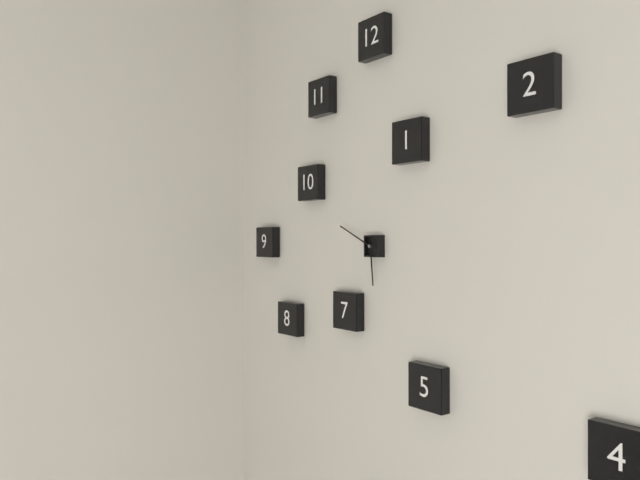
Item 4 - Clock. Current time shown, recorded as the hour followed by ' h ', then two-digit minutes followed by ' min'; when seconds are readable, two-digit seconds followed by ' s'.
5 h 49 min
